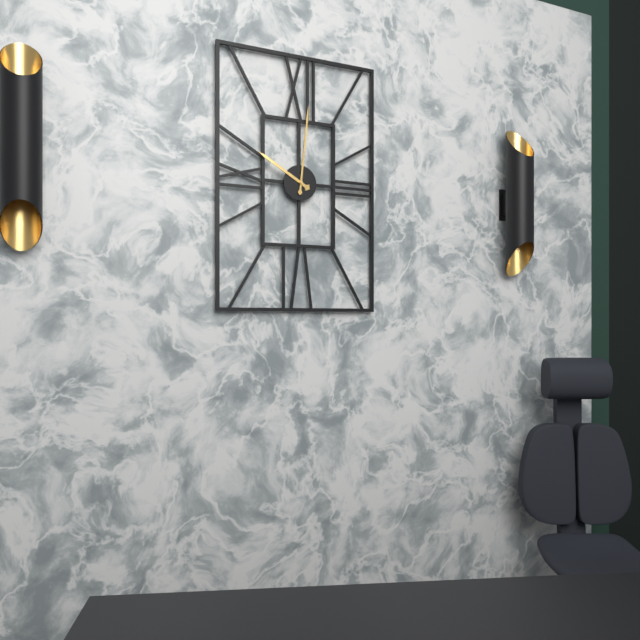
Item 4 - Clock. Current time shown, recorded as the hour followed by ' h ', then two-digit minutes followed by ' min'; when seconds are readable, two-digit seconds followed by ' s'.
10 h 01 min
